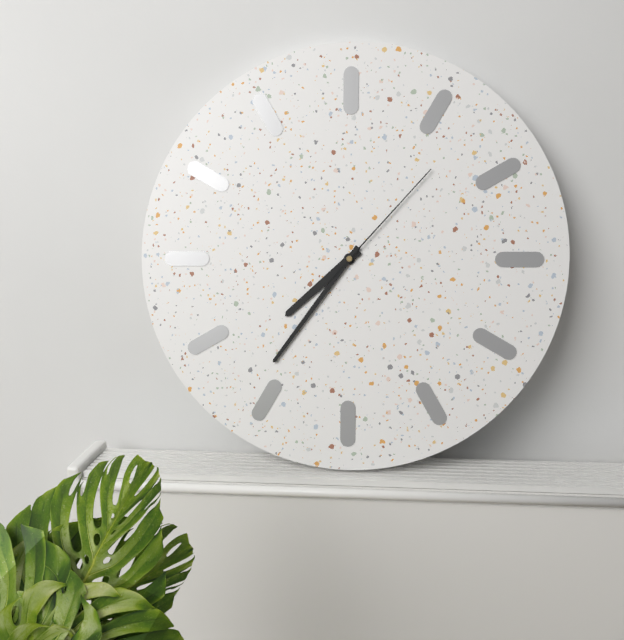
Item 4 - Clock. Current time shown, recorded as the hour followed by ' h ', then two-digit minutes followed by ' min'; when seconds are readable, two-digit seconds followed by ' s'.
7 h 36 min 07 s
